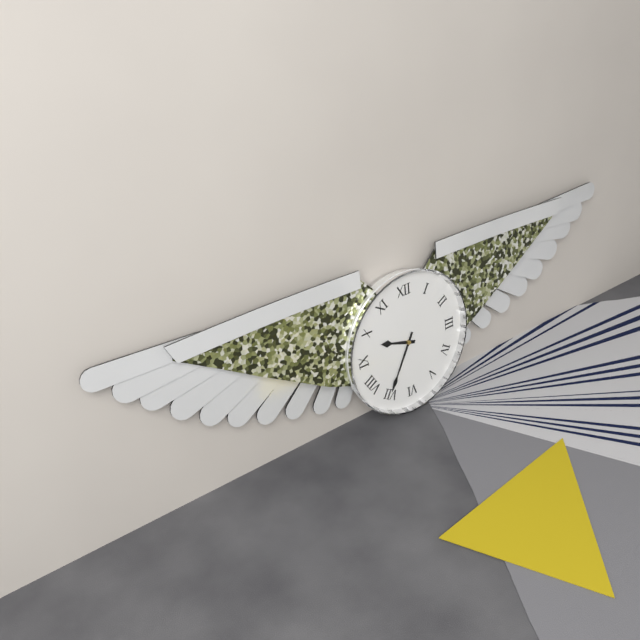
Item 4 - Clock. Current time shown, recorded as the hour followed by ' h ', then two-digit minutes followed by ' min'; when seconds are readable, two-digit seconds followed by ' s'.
9 h 35 min
